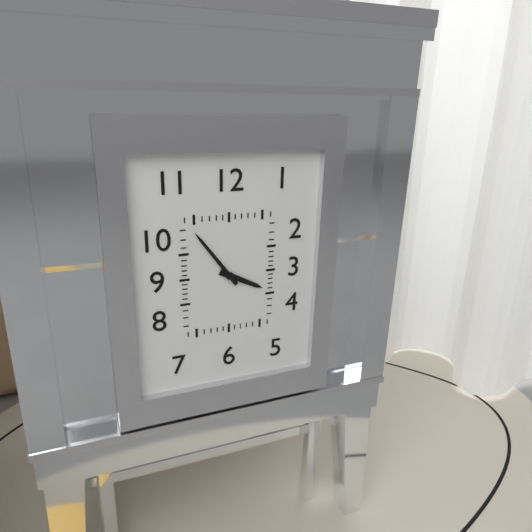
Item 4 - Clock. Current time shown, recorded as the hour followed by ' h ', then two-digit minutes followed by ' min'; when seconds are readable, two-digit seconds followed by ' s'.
3 h 54 min
